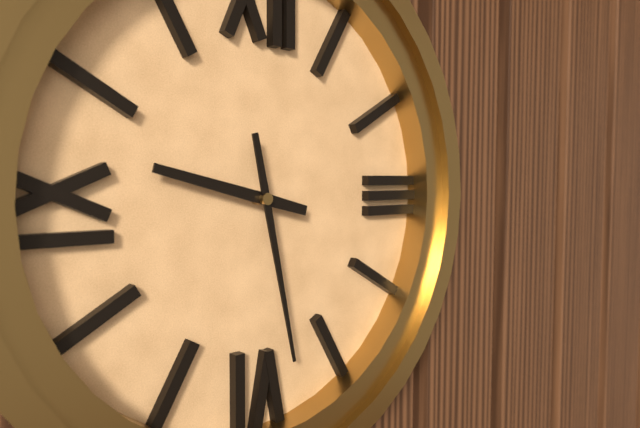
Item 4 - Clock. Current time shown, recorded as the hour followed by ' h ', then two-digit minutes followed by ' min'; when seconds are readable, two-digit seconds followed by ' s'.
9 h 28 min
